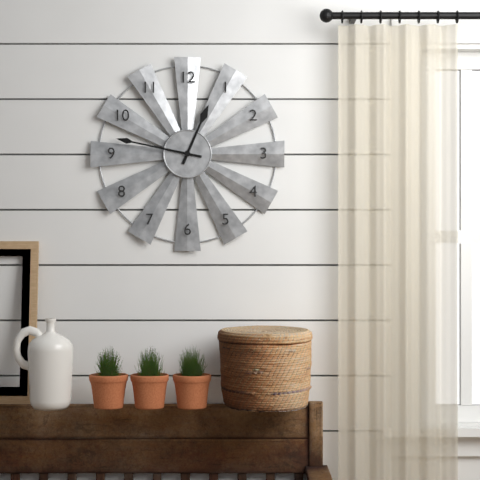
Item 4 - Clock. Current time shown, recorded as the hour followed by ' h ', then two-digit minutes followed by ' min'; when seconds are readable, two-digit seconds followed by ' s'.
12 h 47 min
